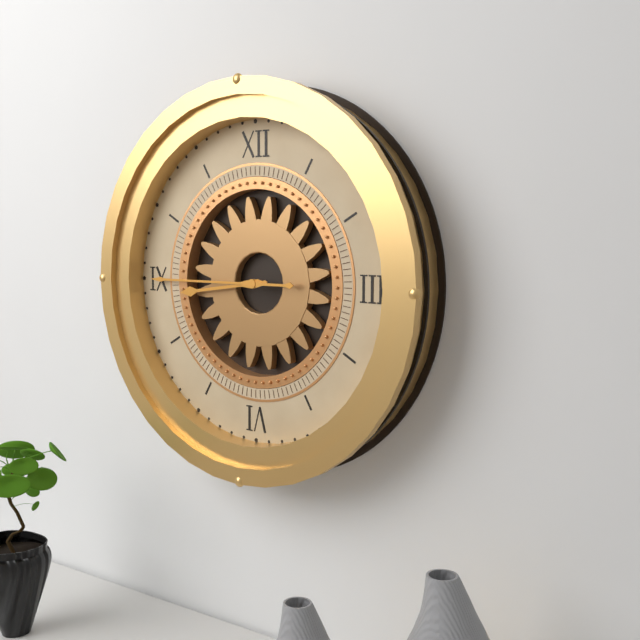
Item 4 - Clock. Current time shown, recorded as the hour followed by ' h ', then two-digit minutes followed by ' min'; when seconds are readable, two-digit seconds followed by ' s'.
8 h 45 min
